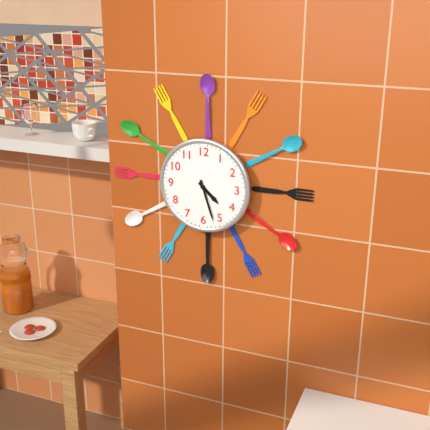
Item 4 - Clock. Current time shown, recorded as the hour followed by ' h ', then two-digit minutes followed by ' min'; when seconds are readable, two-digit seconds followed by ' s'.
4 h 27 min
